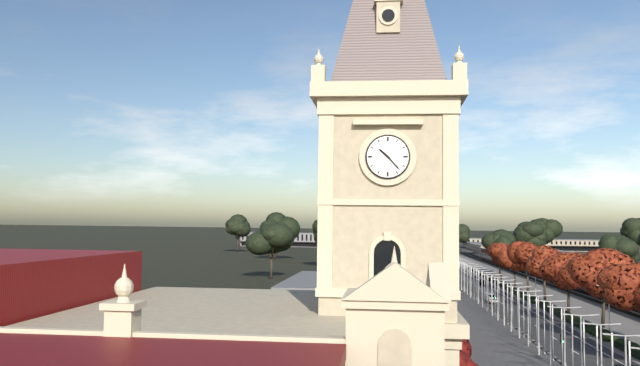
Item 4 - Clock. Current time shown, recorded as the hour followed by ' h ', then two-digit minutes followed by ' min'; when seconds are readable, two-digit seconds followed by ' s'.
10 h 23 min
